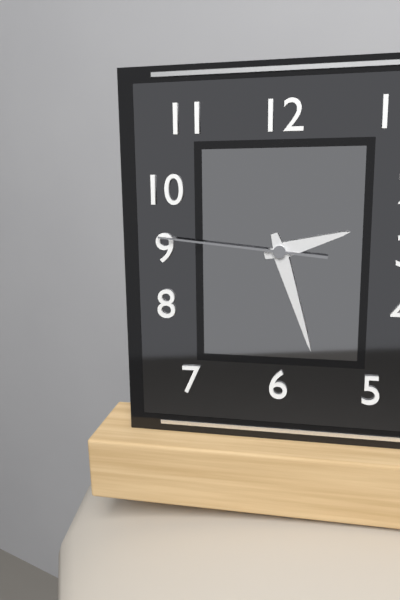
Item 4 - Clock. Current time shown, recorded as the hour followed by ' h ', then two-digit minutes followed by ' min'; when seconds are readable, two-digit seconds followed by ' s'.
2 h 27 min 46 s
